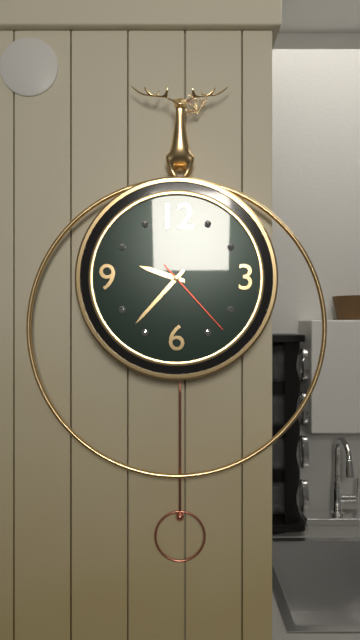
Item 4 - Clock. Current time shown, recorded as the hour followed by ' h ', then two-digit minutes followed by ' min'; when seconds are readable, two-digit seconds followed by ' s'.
9 h 37 min 23 s
